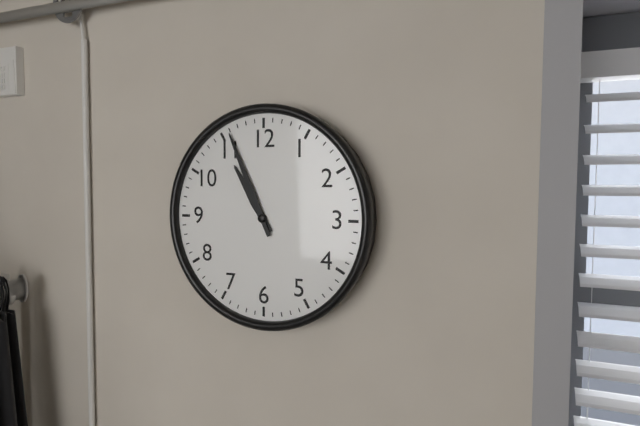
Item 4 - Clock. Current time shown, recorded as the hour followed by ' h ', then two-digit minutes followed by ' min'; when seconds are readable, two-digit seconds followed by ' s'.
10 h 56 min
